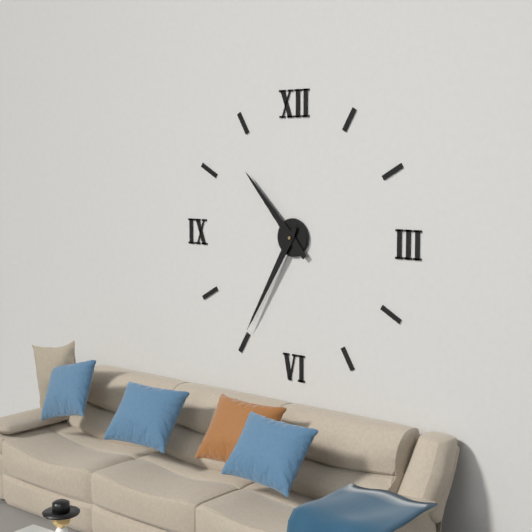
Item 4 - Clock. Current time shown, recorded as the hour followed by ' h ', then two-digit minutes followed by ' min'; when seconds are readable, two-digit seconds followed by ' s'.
10 h 35 min
